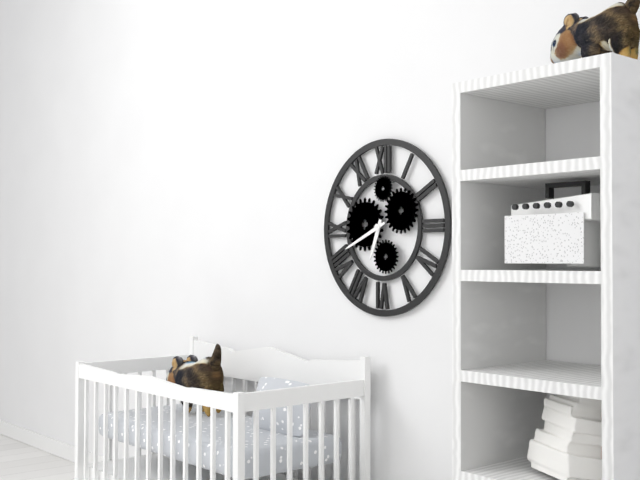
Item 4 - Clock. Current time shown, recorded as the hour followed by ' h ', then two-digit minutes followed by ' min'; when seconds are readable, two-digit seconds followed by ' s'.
6 h 41 min
